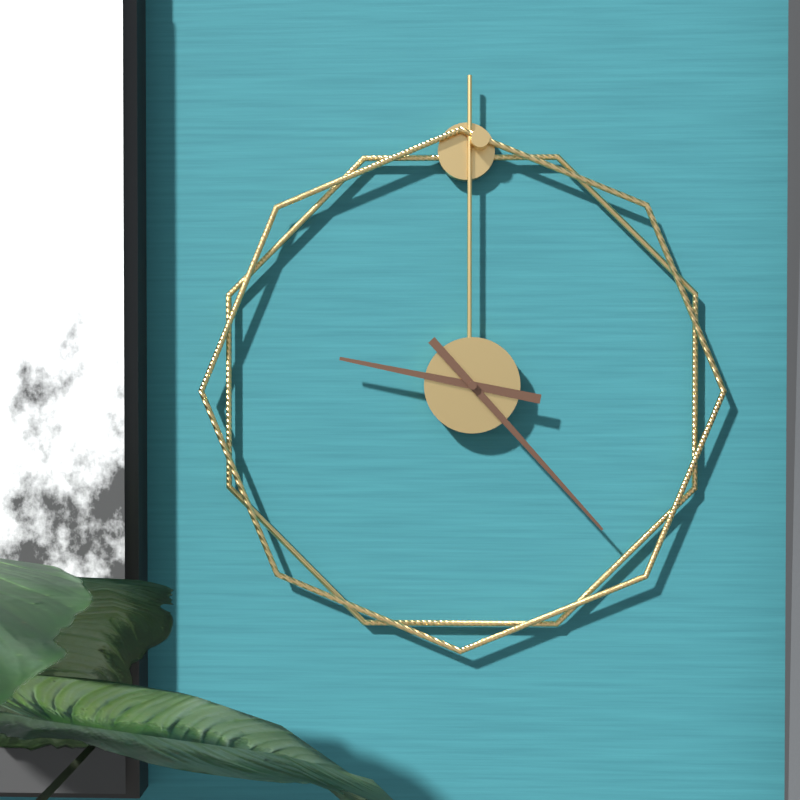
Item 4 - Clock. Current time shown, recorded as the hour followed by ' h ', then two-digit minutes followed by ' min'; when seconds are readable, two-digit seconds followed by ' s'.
9 h 23 min
